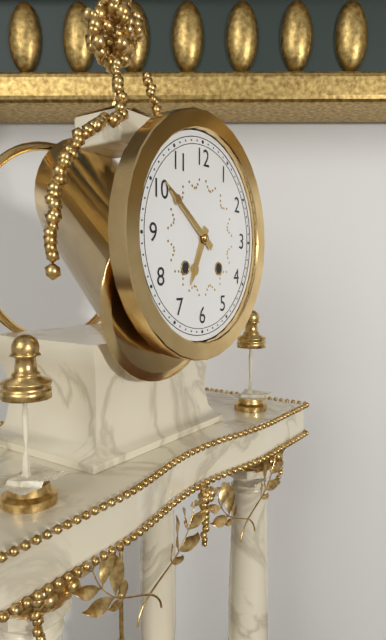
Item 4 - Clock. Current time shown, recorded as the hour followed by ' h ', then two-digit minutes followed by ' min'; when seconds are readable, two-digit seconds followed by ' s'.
6 h 51 min
